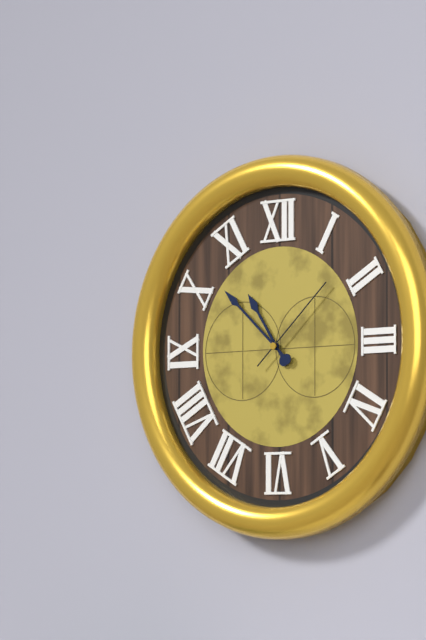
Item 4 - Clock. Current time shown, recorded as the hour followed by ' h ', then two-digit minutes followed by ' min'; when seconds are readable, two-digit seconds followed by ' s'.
10 h 52 min 08 s
